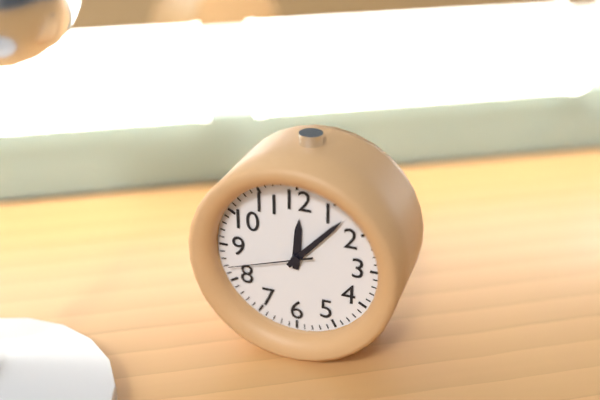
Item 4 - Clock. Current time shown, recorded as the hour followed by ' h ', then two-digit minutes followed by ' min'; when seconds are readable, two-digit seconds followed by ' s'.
12 h 07 min 42 s
